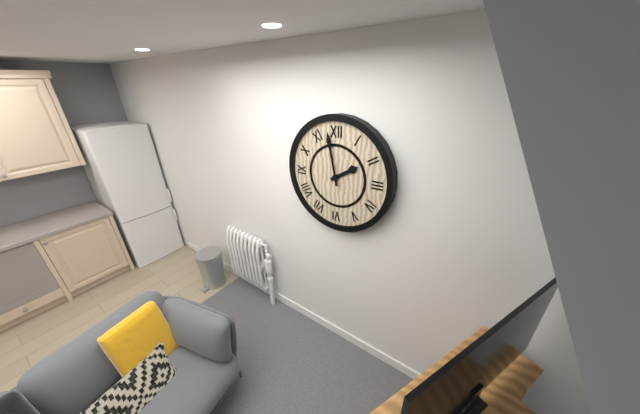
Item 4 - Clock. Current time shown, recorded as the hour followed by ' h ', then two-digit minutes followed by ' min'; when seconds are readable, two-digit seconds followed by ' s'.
1 h 58 min
